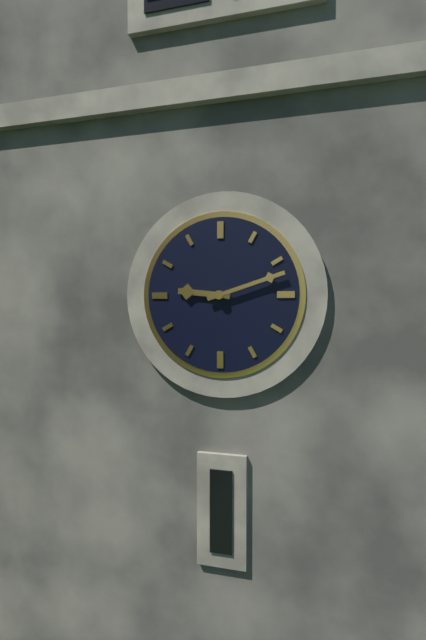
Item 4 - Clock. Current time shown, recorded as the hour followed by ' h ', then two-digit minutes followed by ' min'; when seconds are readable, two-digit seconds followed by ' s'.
9 h 12 min
